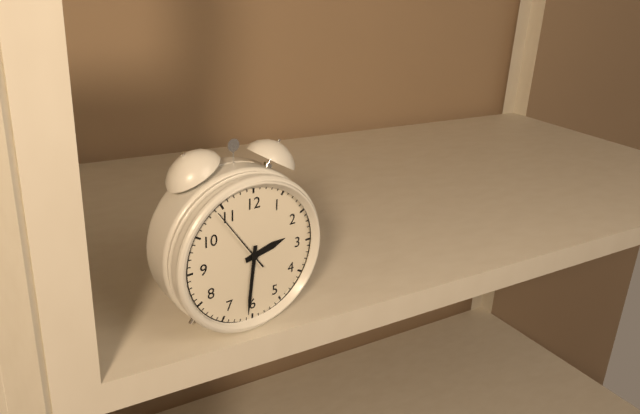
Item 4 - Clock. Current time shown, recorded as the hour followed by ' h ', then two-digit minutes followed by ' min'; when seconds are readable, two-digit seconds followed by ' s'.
2 h 31 min 54 s
